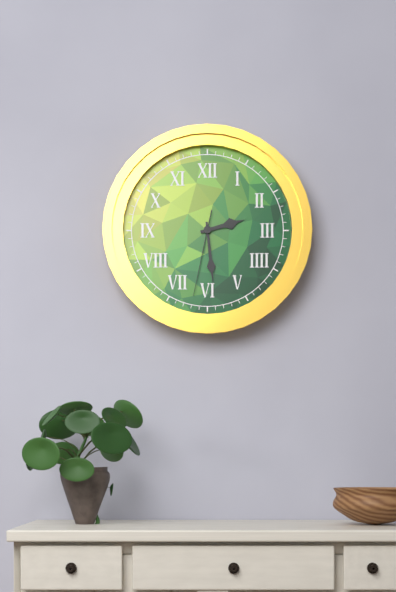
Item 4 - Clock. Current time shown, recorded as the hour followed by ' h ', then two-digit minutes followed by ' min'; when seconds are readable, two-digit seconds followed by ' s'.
2 h 29 min 32 s
